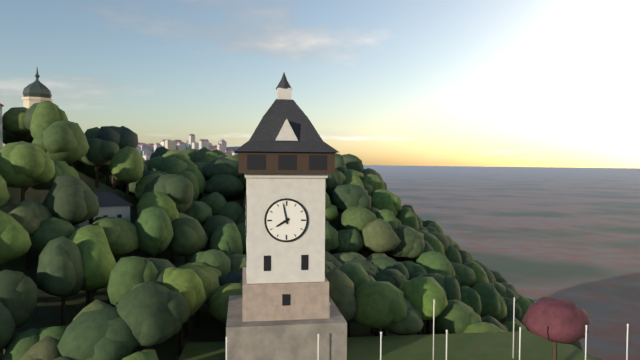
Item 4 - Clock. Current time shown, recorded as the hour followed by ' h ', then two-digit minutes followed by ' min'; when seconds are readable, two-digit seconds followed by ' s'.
7 h 58 min
